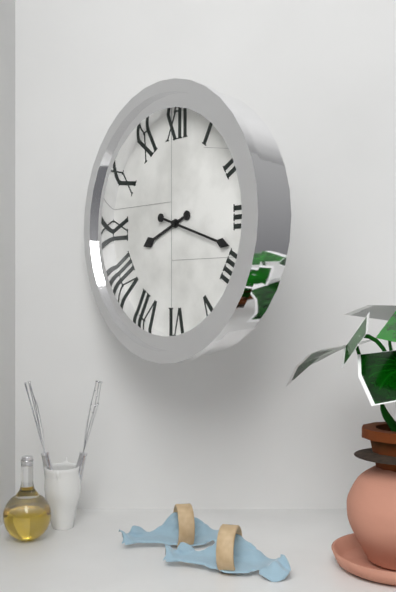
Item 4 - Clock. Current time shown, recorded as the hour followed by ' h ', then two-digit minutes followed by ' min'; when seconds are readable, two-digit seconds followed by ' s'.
8 h 18 min
